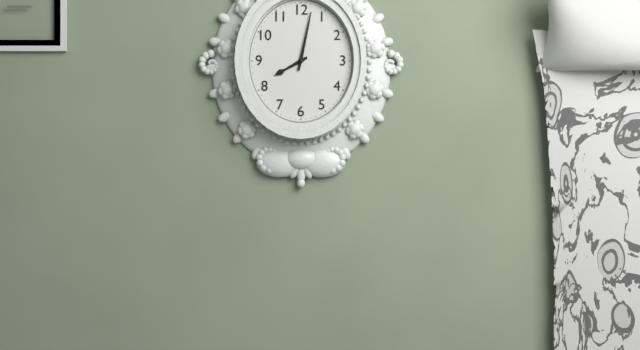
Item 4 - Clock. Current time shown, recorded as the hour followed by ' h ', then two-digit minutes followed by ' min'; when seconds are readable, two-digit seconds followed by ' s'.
8 h 02 min
